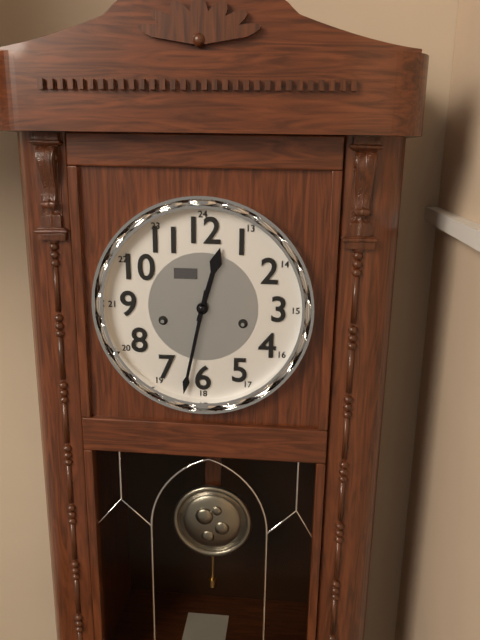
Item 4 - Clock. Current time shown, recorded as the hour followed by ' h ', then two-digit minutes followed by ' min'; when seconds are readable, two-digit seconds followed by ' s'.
12 h 32 min
